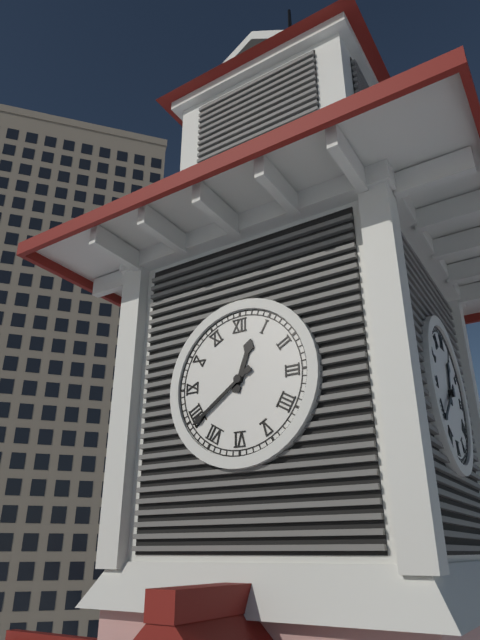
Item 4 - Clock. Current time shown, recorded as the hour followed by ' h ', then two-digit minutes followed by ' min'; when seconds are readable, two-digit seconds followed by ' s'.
12 h 39 min
